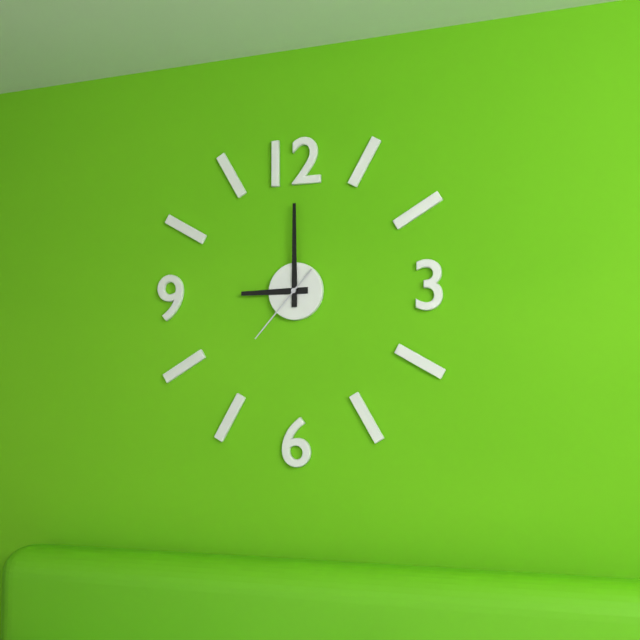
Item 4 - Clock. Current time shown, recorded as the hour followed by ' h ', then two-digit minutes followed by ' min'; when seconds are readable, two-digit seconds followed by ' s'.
9 h 00 min 37 s
